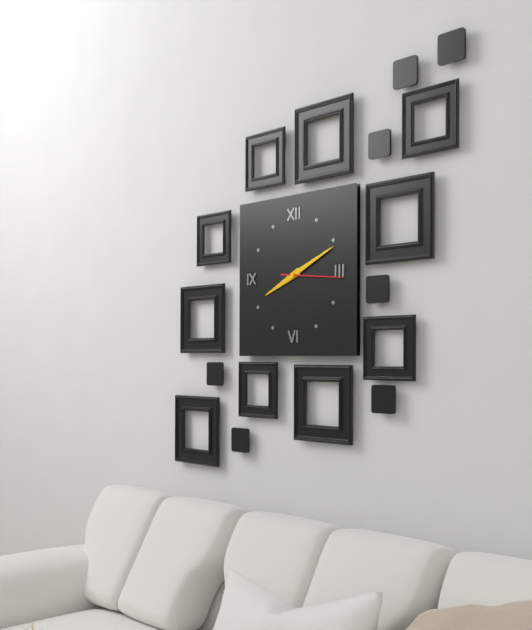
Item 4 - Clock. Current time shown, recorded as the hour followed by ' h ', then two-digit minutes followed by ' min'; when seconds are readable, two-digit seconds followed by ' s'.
8 h 11 min 16 s
